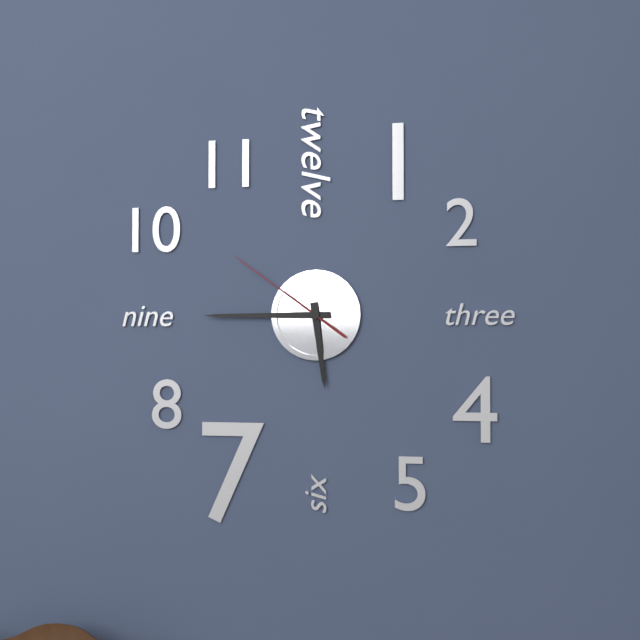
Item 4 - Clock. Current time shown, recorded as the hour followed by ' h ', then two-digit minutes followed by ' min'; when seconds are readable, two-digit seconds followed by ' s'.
5 h 45 min 51 s
